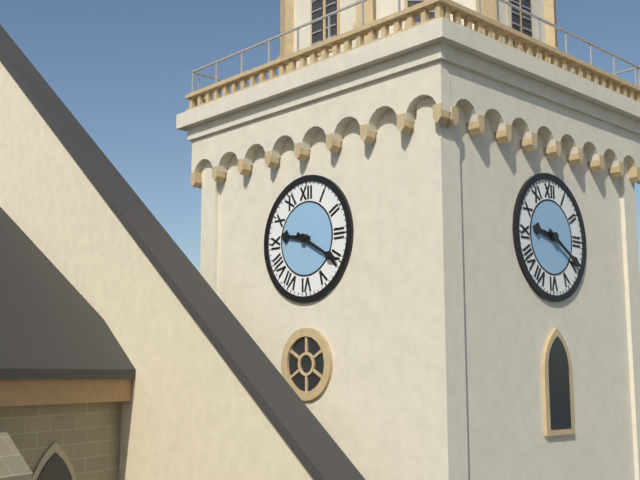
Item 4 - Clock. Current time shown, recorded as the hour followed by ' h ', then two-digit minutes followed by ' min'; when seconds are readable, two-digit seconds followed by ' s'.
9 h 20 min
